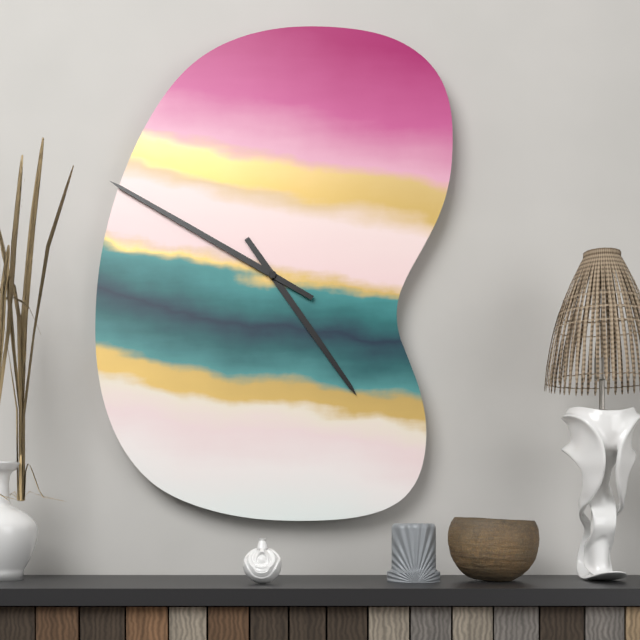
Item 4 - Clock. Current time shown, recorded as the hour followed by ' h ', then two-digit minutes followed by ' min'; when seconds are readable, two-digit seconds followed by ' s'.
4 h 50 min
